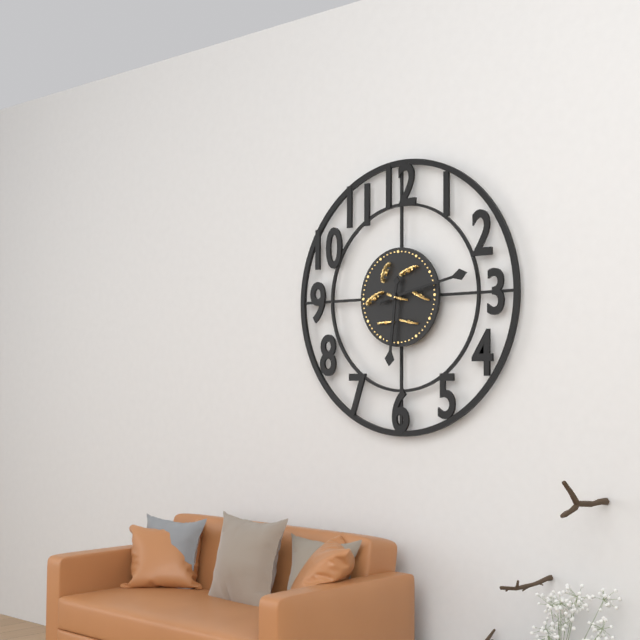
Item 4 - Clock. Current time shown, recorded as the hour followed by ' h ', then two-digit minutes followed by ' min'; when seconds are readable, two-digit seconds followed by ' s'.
6 h 13 min
